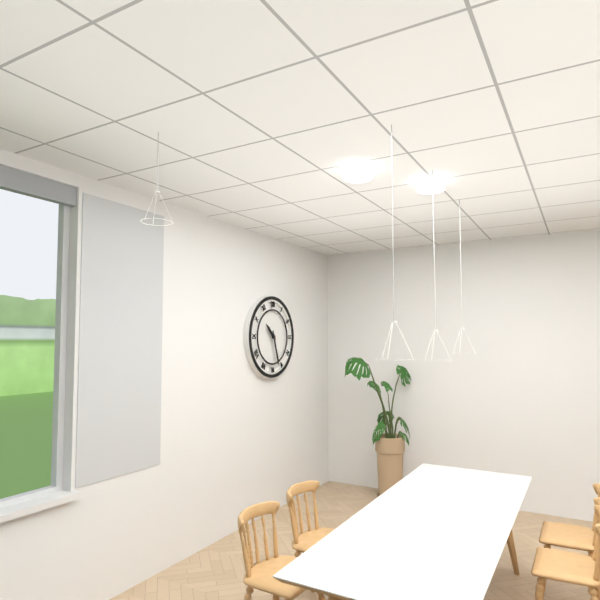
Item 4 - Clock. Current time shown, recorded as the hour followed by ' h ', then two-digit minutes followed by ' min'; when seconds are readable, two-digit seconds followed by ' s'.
10 h 27 min
